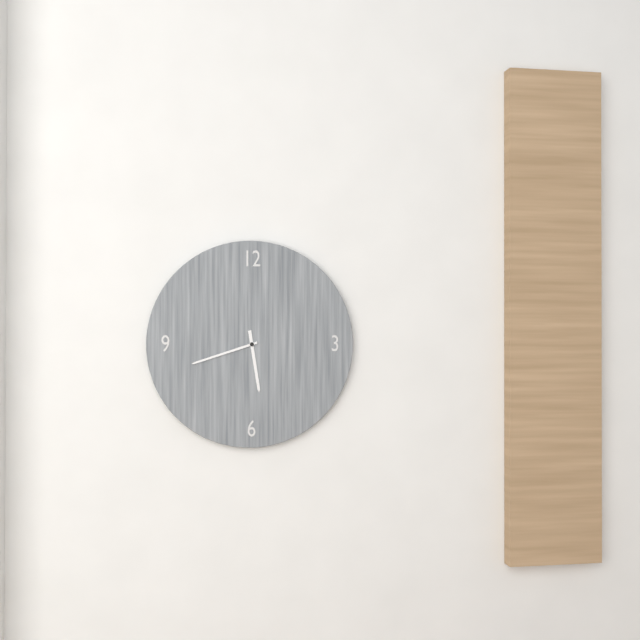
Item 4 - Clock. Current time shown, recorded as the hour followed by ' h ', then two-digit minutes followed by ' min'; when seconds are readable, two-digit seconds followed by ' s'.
5 h 42 min
